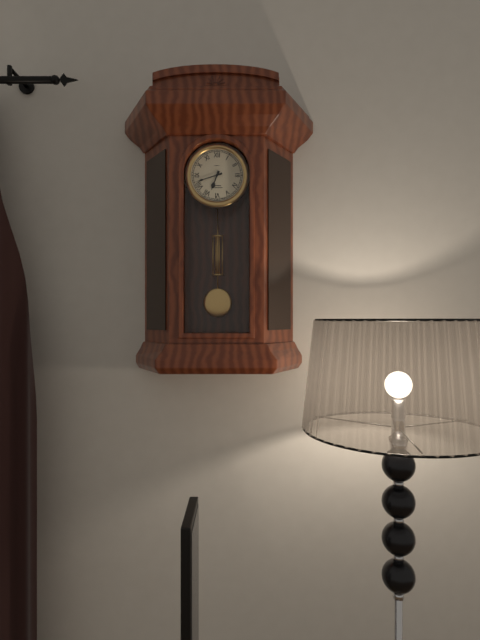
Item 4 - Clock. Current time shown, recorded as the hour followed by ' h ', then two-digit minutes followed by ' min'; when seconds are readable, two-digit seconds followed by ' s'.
6 h 42 min
